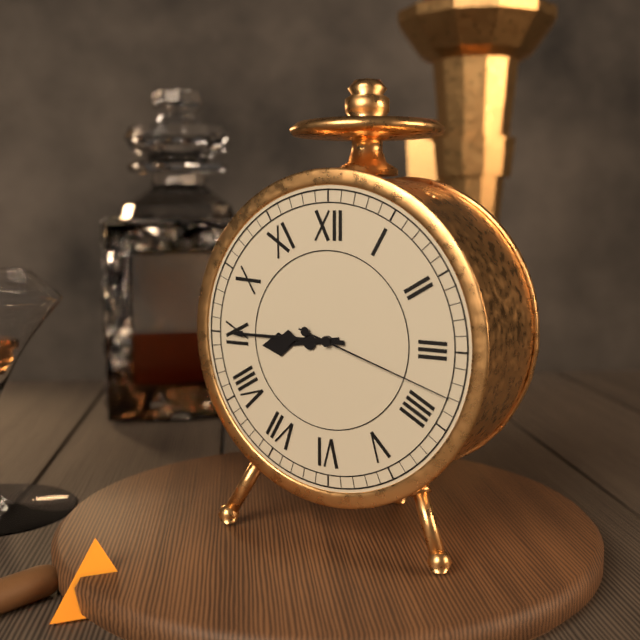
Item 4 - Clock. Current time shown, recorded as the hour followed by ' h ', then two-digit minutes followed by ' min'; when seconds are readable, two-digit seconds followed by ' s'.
8 h 45 min 18 s
